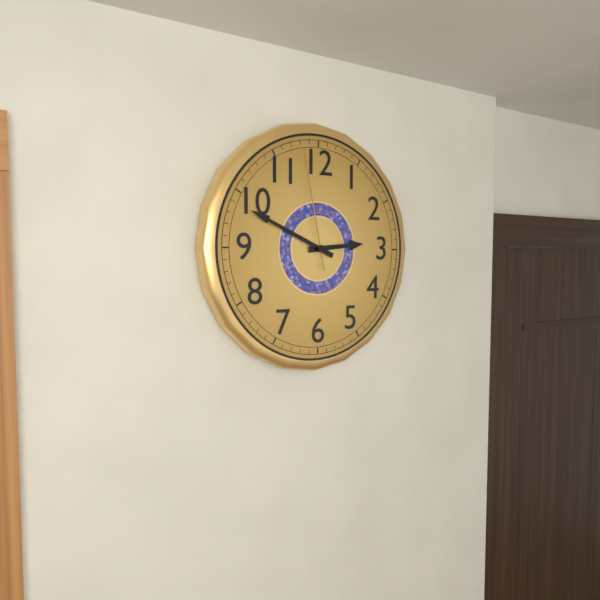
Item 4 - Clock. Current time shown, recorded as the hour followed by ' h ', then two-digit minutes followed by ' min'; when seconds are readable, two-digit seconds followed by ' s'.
2 h 49 min 58 s
